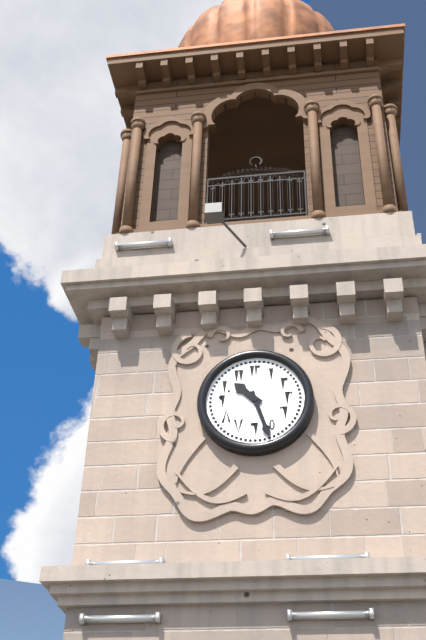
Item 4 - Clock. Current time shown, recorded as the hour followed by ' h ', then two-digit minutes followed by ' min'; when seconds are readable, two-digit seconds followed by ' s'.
10 h 27 min
